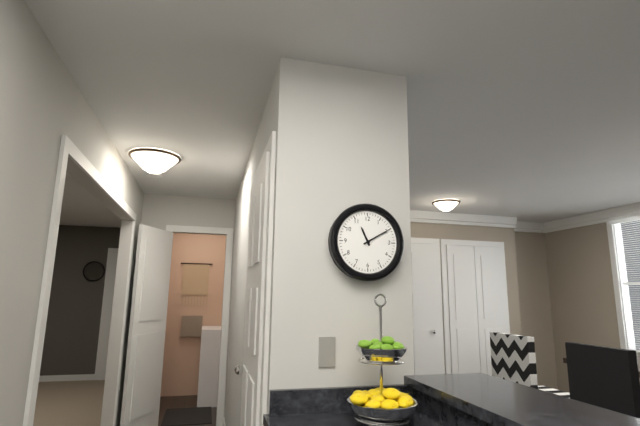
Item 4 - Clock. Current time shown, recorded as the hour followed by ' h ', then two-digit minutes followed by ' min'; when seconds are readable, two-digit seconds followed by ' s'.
11 h 10 min
